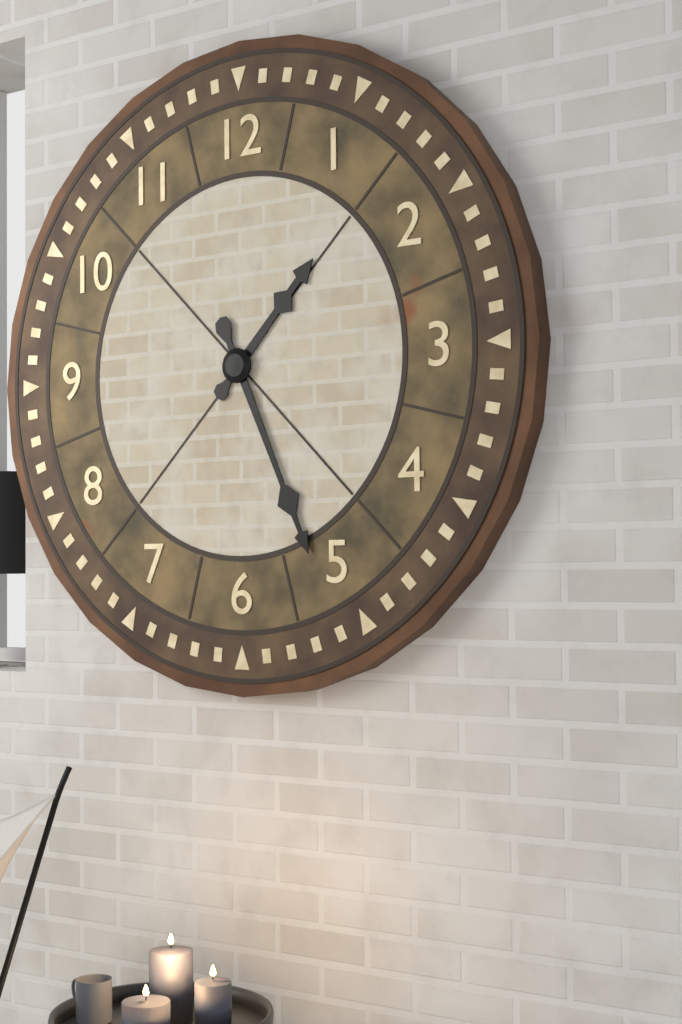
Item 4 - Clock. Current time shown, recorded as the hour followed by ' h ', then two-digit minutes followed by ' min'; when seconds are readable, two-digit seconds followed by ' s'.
1 h 26 min
